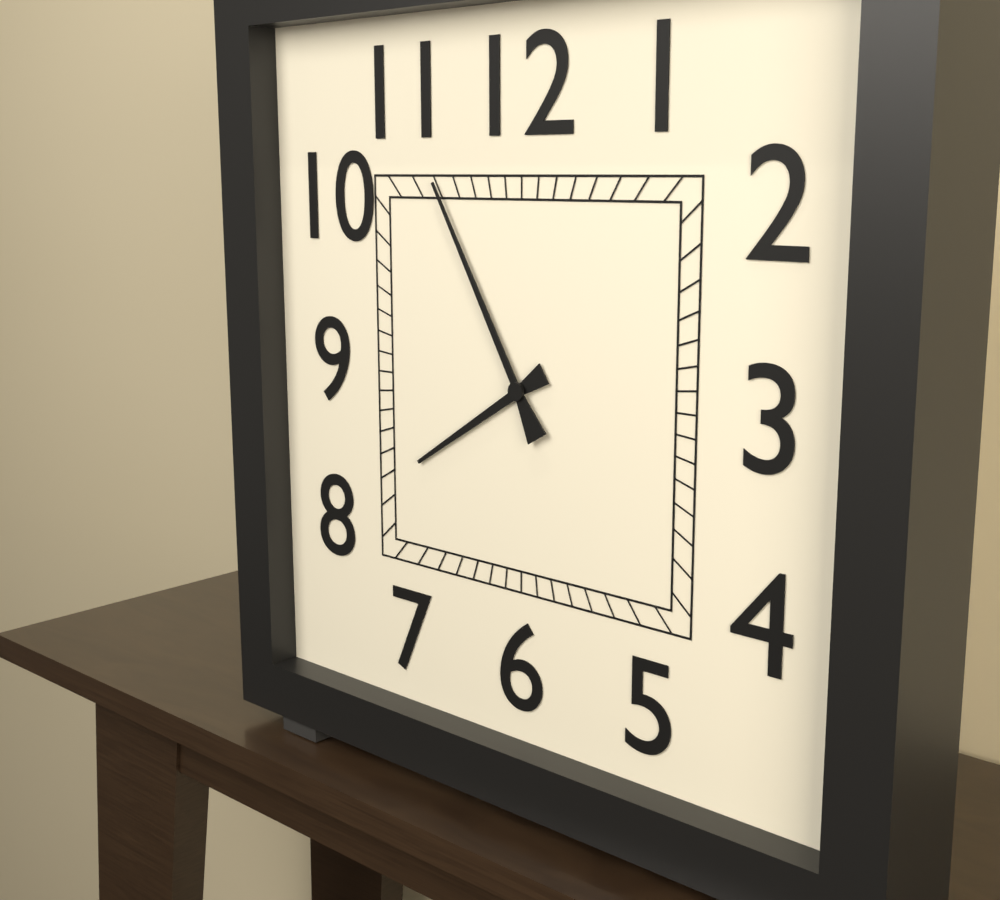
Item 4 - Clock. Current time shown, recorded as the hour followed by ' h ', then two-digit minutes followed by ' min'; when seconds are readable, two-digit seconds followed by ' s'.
7 h 55 min
